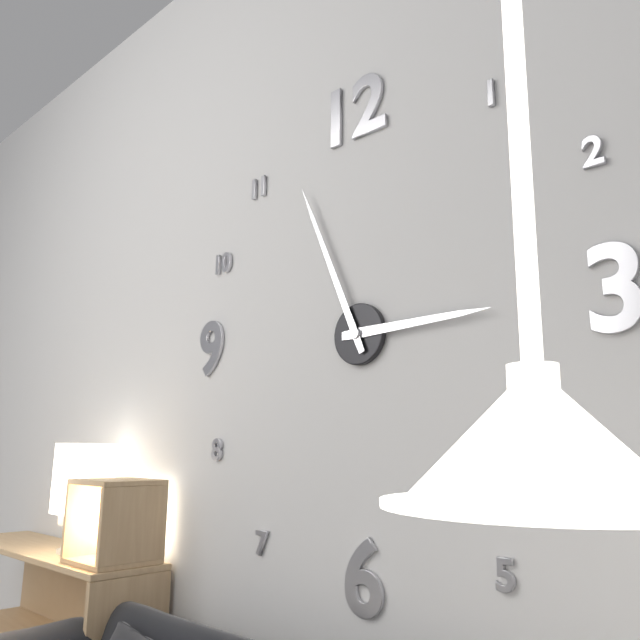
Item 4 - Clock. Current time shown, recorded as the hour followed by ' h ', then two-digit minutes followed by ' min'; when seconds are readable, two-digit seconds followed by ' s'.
2 h 56 min
